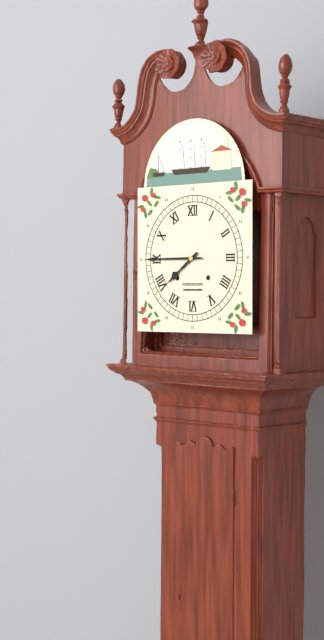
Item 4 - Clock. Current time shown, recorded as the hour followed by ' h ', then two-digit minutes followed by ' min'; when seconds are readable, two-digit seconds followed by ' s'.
7 h 45 min
